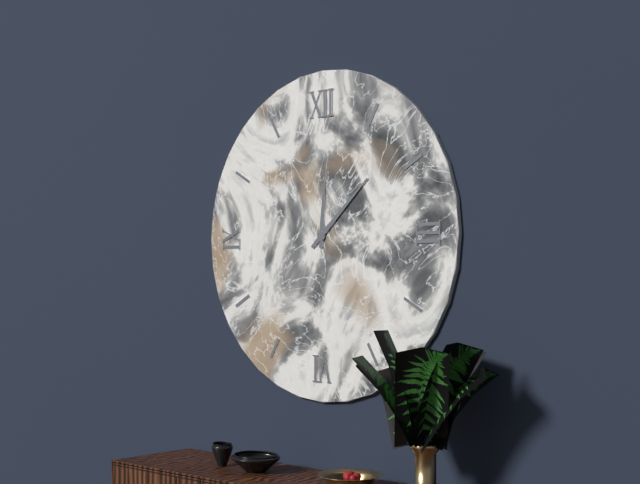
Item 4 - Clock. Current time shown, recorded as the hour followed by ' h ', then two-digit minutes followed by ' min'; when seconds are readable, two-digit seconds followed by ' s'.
12 h 08 min
